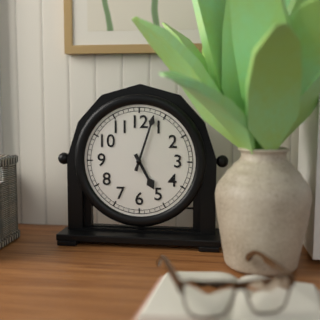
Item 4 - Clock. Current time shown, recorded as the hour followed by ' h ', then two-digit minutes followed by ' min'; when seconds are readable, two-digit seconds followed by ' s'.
5 h 03 min
